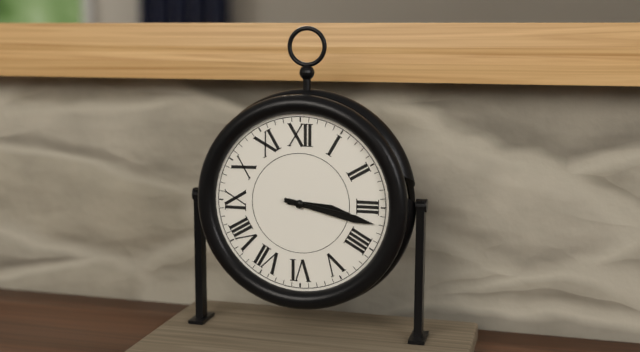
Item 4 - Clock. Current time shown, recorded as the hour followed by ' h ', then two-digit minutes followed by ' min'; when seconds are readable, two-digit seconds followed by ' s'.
3 h 17 min
